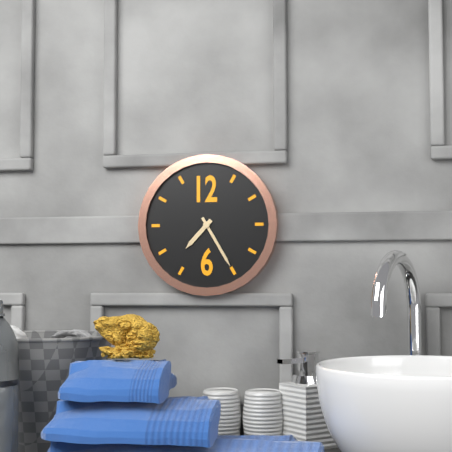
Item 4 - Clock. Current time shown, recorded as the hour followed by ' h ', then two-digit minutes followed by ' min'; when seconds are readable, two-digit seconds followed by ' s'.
7 h 25 min
